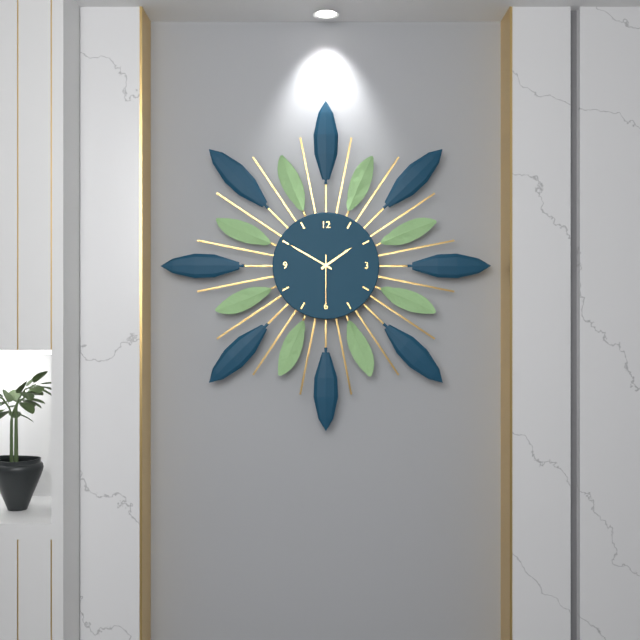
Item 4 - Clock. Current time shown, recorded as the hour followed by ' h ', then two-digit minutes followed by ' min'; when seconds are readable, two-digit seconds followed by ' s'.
1 h 50 min 30 s
